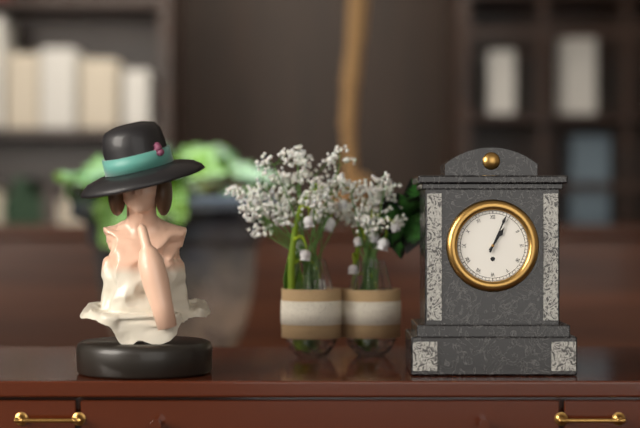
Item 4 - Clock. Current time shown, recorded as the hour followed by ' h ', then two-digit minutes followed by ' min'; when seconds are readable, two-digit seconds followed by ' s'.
1 h 04 min
